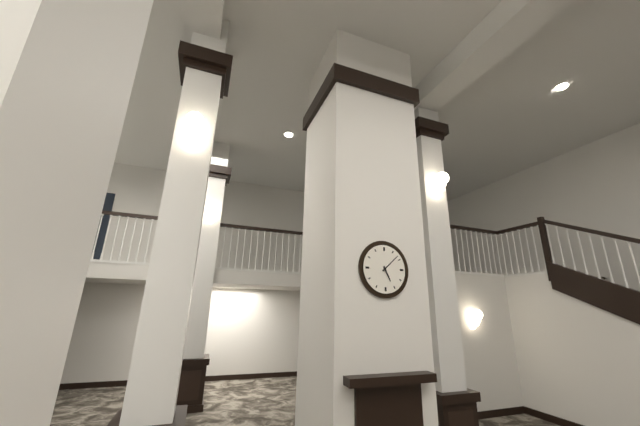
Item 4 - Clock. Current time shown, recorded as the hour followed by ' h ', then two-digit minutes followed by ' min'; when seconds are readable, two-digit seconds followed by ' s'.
5 h 08 min
